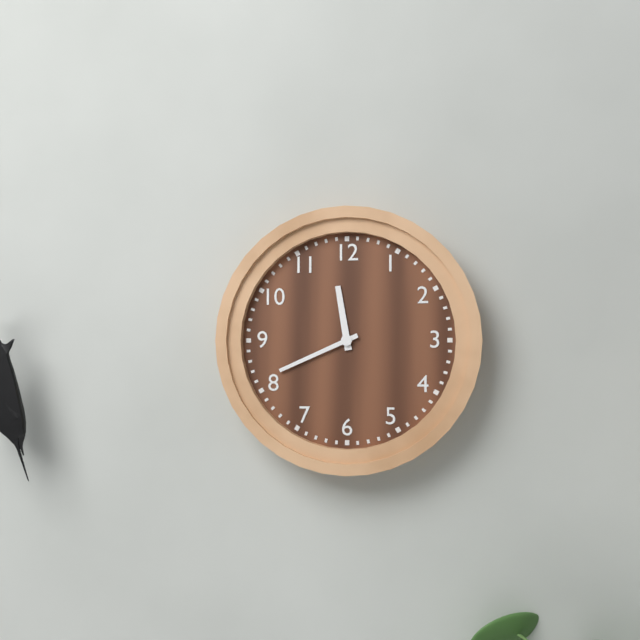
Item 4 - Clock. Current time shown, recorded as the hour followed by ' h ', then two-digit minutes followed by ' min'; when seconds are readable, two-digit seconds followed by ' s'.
11 h 41 min
